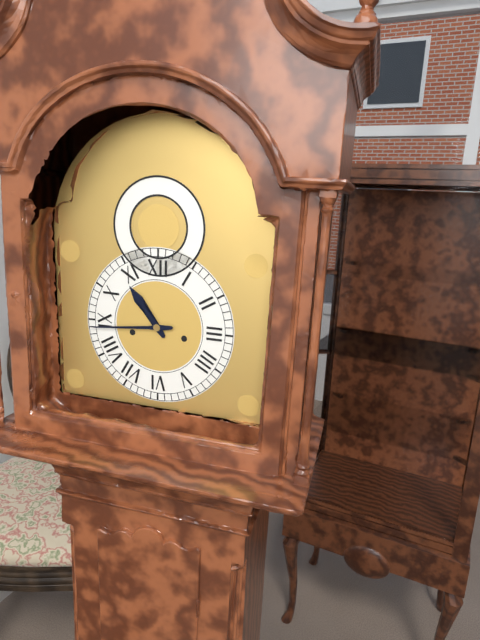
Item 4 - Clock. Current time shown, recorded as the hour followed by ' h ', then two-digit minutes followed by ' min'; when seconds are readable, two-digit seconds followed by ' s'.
10 h 44 min
